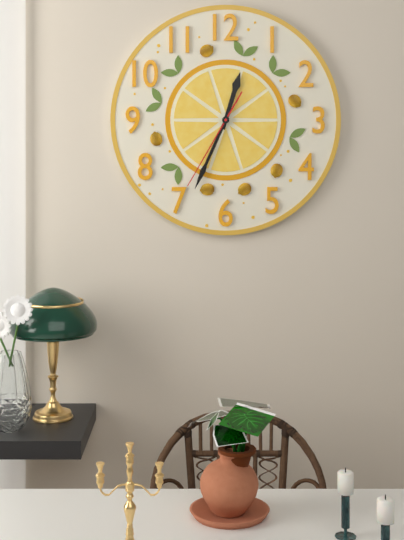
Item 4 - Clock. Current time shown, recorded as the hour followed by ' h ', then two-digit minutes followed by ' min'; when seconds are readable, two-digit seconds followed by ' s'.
12 h 34 min 35 s
